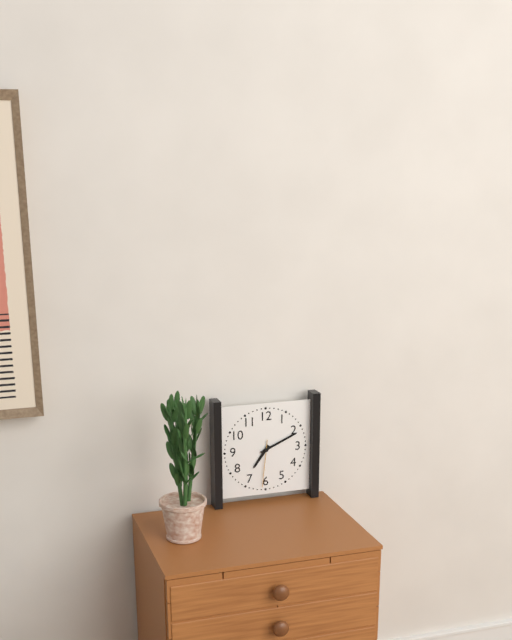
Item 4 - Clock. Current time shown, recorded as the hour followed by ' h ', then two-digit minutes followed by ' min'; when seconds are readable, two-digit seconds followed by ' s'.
7 h 11 min
